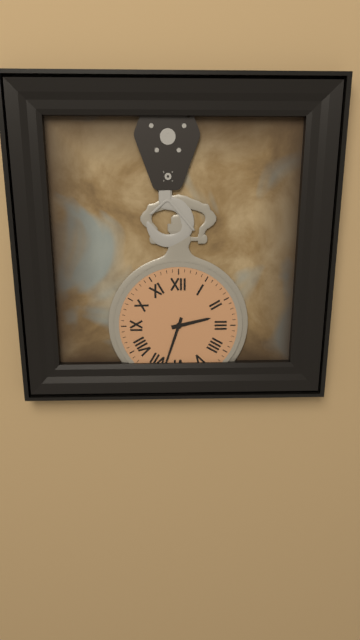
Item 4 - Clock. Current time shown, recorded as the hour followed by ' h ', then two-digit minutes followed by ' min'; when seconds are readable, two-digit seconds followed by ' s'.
2 h 33 min
